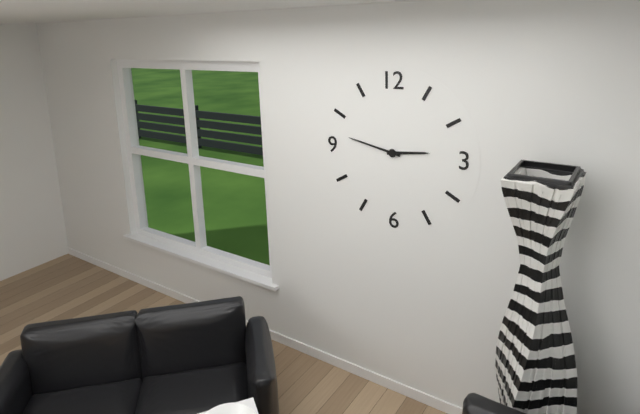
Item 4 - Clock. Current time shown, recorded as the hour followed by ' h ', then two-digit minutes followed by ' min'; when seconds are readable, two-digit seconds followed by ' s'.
2 h 47 min
